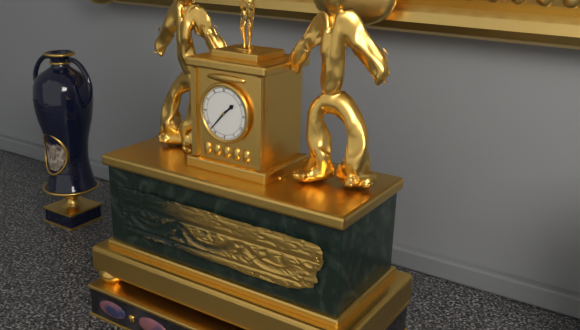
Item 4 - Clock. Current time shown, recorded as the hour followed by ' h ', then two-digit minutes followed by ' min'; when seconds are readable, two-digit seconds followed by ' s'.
1 h 37 min
